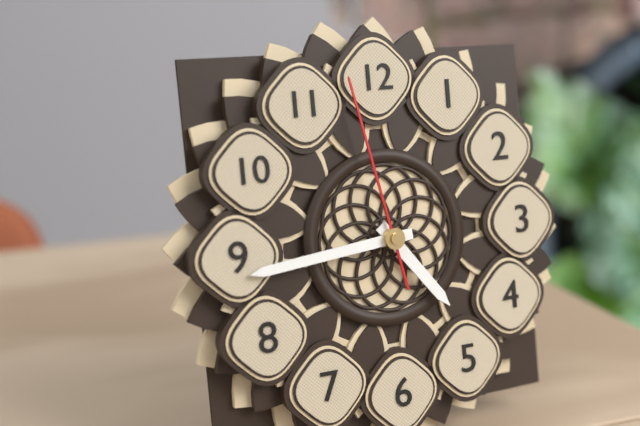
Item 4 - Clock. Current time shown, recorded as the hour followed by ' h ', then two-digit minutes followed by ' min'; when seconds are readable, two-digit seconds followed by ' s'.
4 h 44 min 58 s
